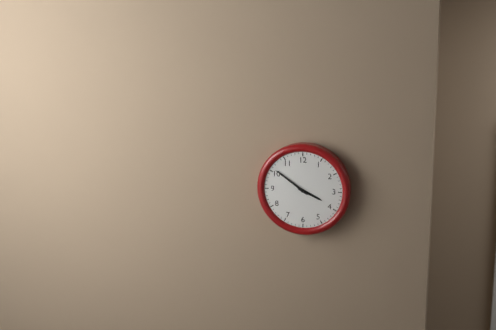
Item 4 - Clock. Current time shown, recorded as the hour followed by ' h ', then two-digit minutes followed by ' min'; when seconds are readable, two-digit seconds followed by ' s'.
3 h 51 min
